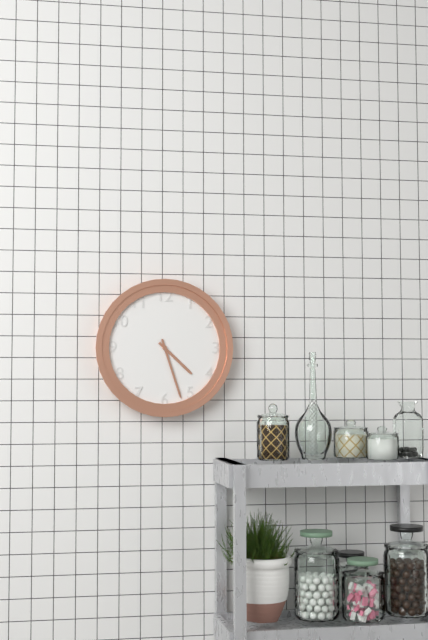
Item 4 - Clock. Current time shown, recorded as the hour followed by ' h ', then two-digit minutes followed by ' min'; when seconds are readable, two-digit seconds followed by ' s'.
4 h 27 min
